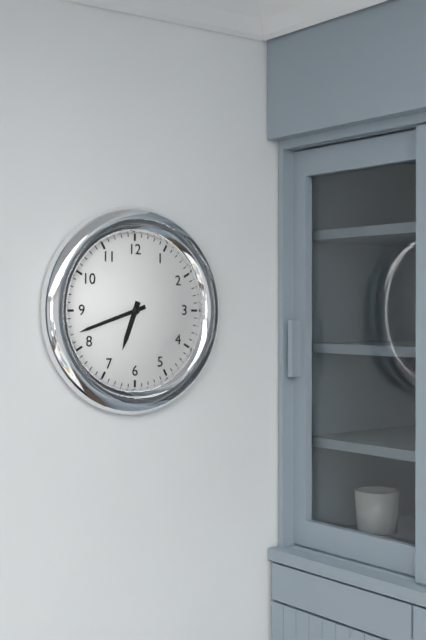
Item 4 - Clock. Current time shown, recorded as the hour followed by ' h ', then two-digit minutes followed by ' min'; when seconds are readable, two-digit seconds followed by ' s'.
6 h 42 min
